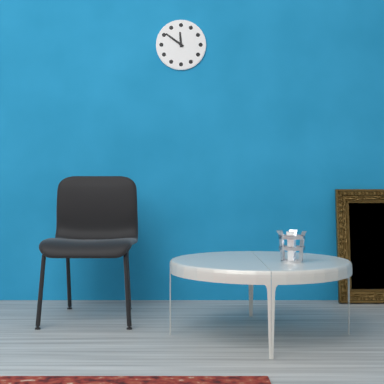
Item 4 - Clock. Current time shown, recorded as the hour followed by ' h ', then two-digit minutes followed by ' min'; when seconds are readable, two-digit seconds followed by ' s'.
11 h 51 min
